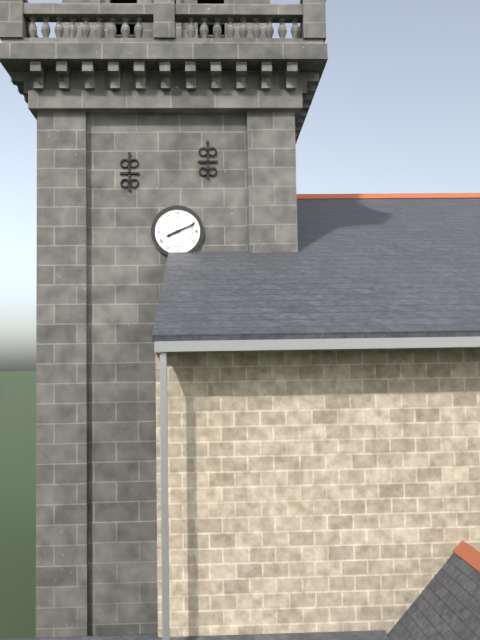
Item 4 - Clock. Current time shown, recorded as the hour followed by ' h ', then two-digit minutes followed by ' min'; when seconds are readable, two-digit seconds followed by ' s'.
8 h 11 min
